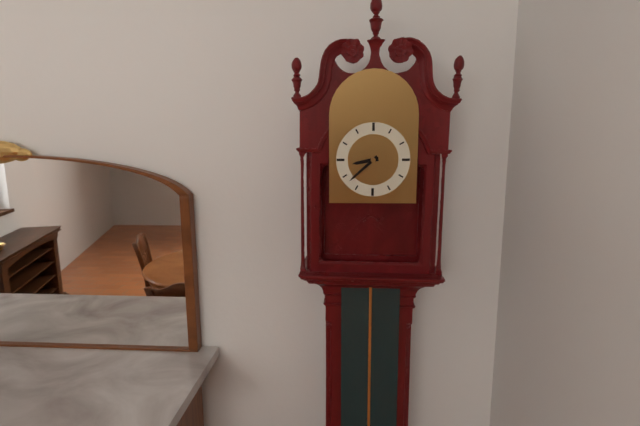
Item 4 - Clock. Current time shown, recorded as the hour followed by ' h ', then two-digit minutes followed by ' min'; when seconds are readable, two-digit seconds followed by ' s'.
8 h 38 min
